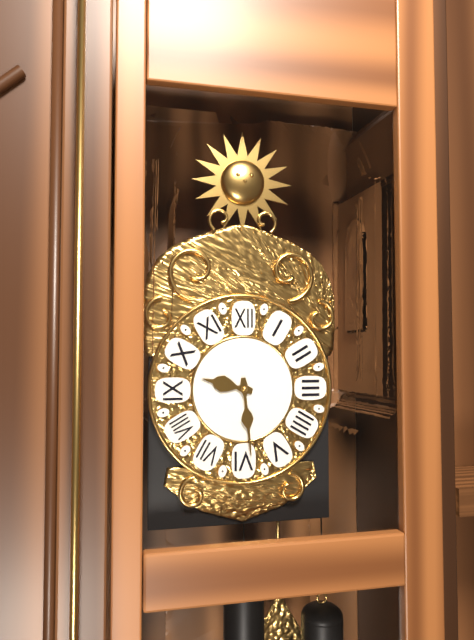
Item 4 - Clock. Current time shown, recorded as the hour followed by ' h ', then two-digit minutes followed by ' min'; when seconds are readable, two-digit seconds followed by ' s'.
9 h 29 min
